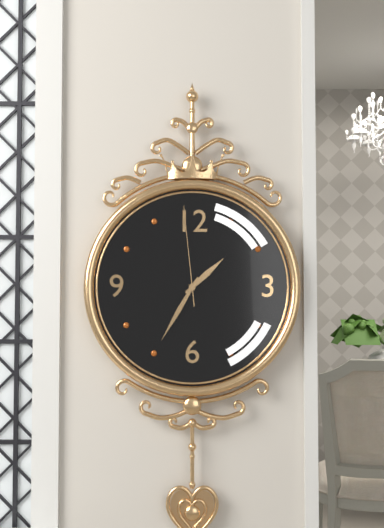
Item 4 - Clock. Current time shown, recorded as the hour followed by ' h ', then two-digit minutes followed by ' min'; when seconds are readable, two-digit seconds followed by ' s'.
1 h 35 min 59 s
